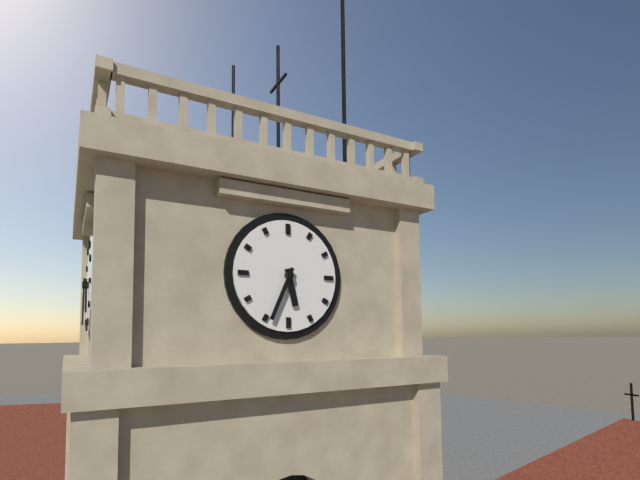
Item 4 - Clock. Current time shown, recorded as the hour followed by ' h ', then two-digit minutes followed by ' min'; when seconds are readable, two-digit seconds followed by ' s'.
5 h 34 min
